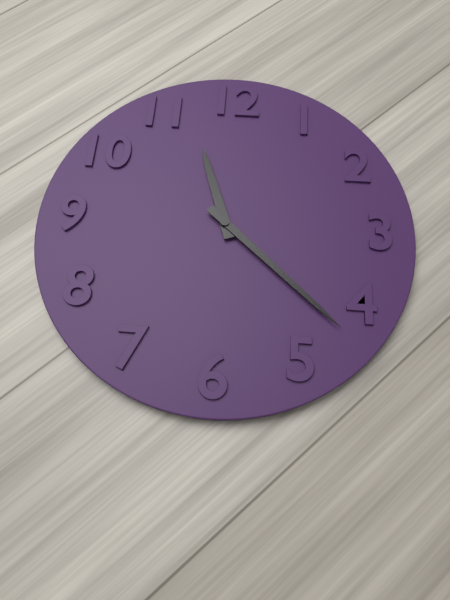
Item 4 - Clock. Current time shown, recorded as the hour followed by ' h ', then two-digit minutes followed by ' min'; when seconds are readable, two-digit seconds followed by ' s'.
11 h 22 min
